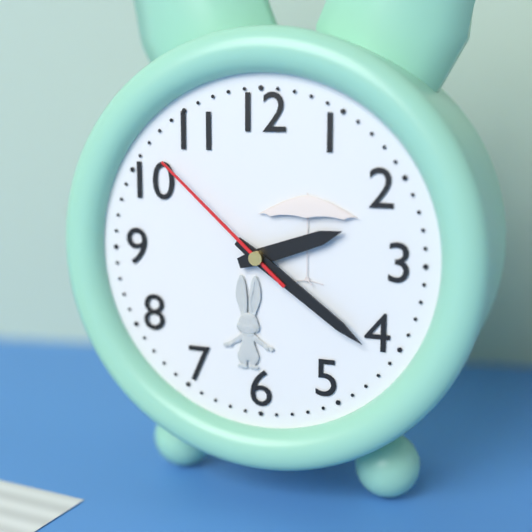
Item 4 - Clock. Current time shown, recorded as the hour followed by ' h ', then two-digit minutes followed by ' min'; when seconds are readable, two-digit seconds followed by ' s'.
2 h 21 min 52 s
